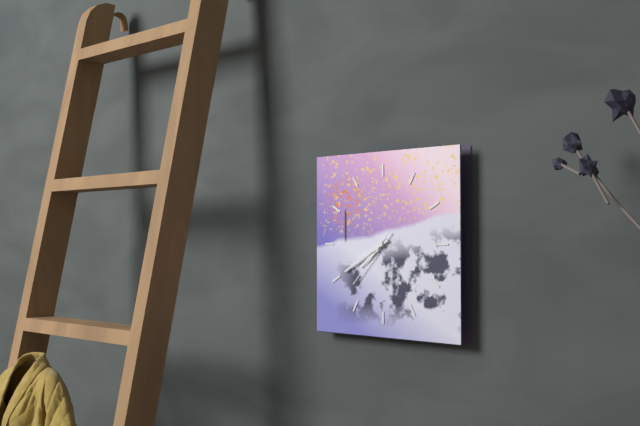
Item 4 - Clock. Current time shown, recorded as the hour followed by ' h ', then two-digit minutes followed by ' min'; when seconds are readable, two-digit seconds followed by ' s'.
7 h 40 min 37 s
